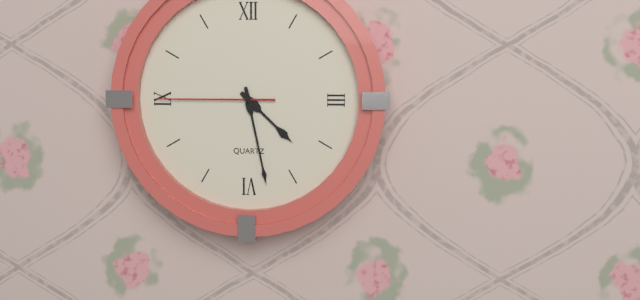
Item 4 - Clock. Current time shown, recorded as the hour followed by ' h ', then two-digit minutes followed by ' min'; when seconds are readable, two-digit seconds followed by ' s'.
4 h 28 min 45 s
